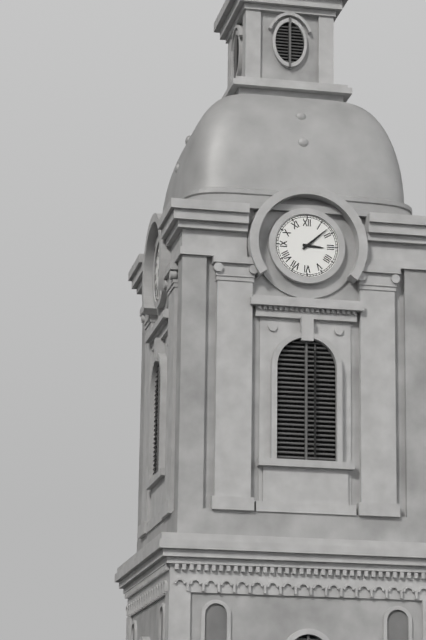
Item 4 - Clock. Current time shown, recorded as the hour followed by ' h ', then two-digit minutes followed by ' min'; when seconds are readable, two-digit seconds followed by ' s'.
3 h 08 min
